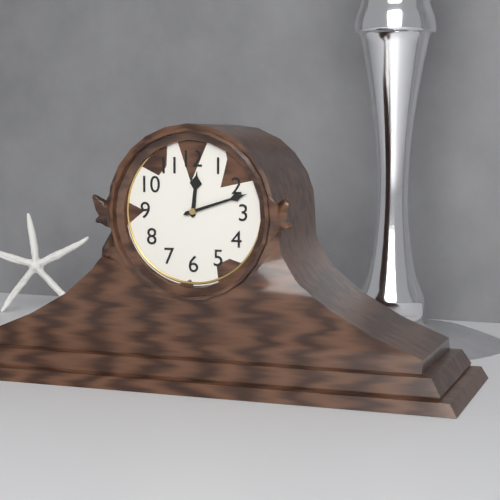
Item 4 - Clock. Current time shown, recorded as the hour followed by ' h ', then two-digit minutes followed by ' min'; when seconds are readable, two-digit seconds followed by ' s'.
12 h 12 min
